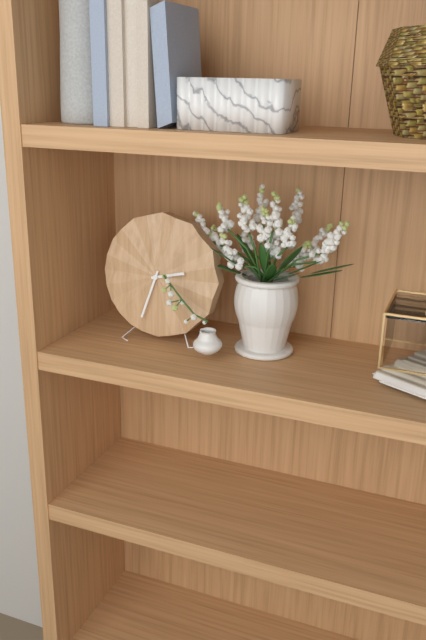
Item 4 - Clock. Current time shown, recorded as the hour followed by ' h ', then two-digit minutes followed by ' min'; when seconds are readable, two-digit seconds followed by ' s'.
2 h 33 min
